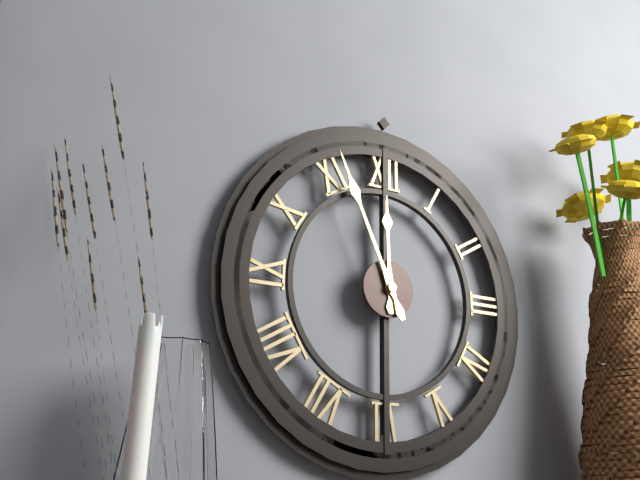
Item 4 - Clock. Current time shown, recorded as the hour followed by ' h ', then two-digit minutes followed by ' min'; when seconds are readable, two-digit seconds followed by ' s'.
11 h 56 min
